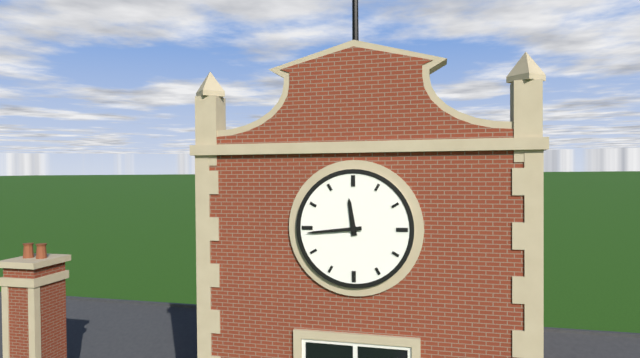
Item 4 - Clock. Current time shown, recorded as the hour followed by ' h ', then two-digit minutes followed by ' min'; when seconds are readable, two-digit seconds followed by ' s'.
11 h 44 min
